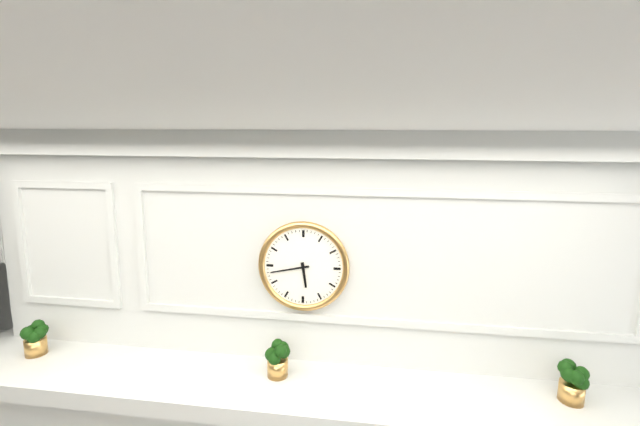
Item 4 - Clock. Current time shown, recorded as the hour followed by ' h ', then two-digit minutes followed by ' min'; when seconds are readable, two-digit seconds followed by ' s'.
5 h 43 min
